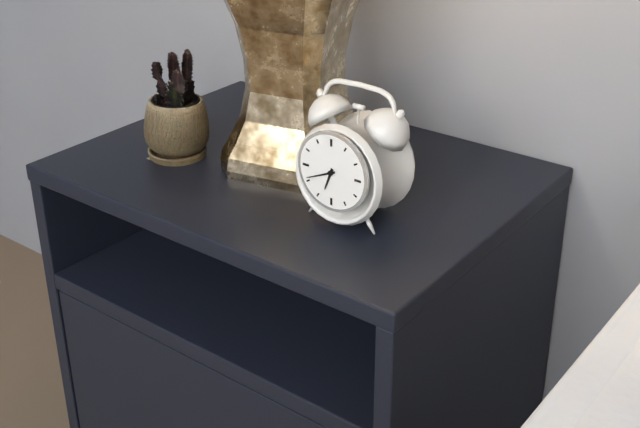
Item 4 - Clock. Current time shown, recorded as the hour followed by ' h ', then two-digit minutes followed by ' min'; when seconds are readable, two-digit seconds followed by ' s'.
6 h 41 min
